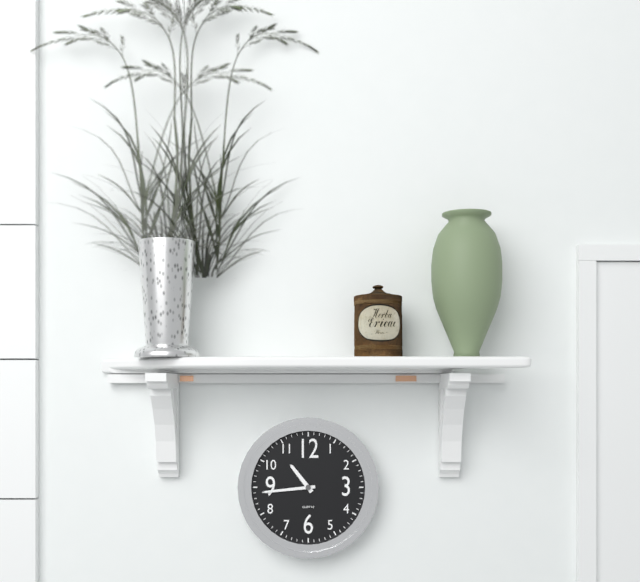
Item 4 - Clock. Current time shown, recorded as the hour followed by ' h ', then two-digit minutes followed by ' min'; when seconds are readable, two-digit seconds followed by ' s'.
10 h 44 min
